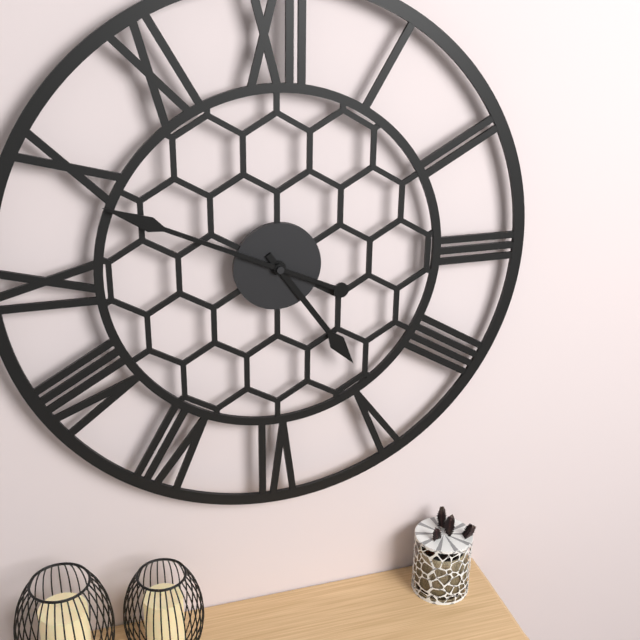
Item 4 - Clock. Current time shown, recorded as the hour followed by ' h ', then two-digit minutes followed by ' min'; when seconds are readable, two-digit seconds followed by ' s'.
4 h 49 min
